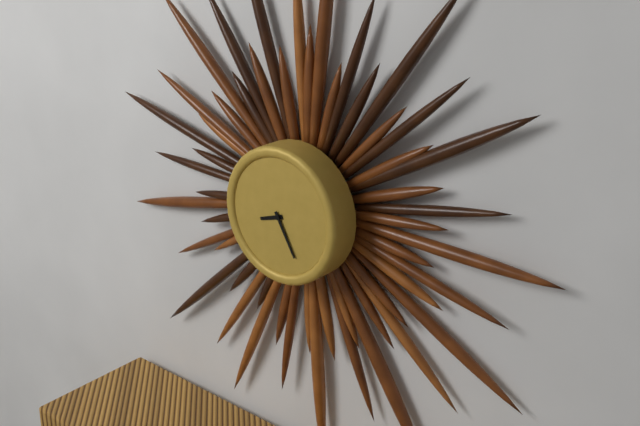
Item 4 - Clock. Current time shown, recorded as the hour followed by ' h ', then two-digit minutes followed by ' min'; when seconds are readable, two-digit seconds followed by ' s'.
8 h 25 min
